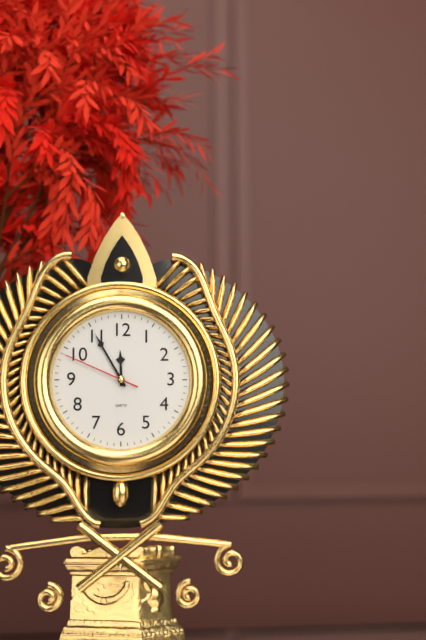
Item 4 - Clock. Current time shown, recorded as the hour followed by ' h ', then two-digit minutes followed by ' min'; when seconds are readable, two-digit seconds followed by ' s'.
11 h 55 min 49 s
